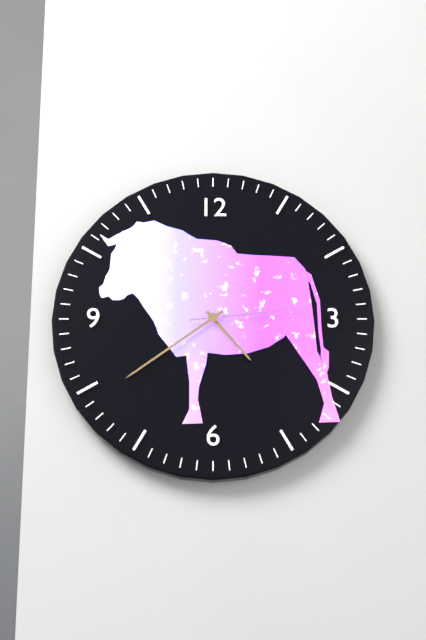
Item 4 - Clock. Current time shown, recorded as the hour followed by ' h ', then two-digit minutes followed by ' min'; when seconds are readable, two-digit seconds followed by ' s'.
4 h 39 min 14 s
